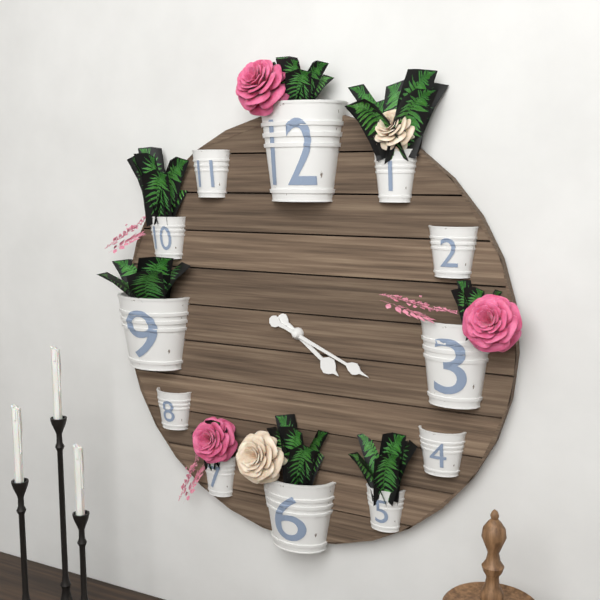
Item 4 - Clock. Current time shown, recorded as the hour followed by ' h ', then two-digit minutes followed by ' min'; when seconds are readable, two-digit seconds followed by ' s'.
4 h 19 min
